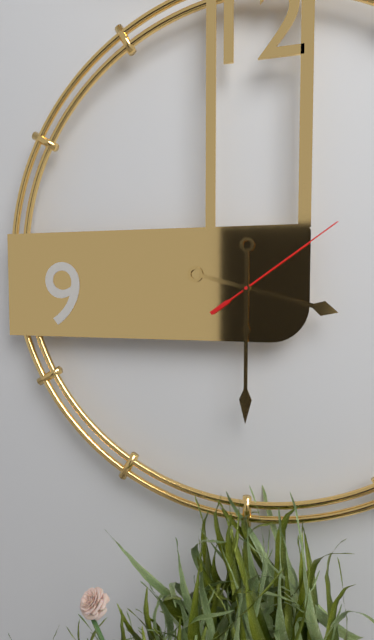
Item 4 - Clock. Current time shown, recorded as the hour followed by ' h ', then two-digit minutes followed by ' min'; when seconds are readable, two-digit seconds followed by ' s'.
3 h 30 min 09 s
